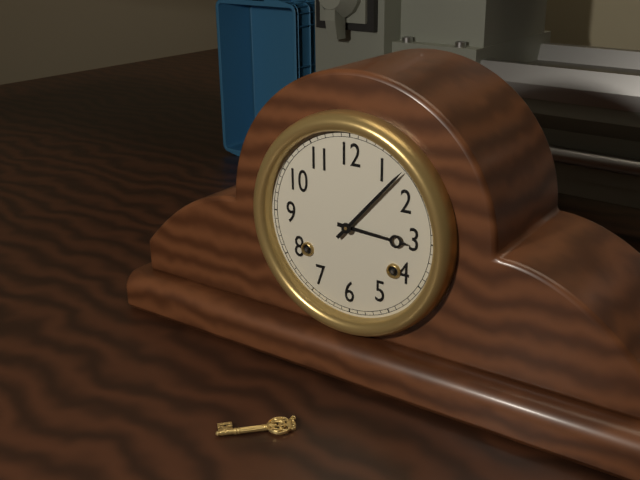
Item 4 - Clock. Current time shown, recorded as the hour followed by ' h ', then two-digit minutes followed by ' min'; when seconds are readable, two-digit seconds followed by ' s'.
3 h 07 min
